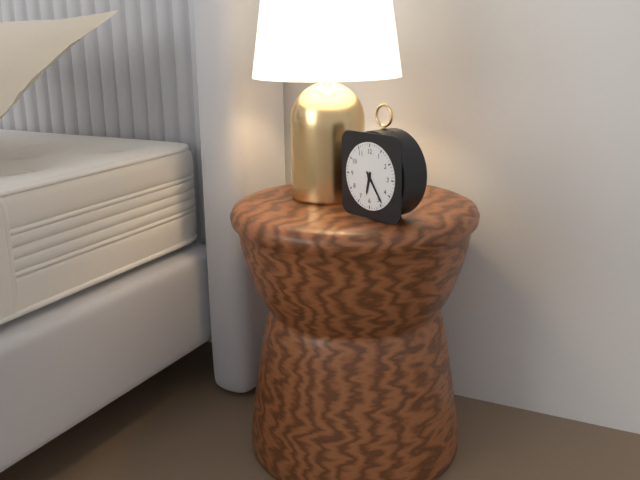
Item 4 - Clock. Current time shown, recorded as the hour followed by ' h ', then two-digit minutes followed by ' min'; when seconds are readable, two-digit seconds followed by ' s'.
6 h 24 min
